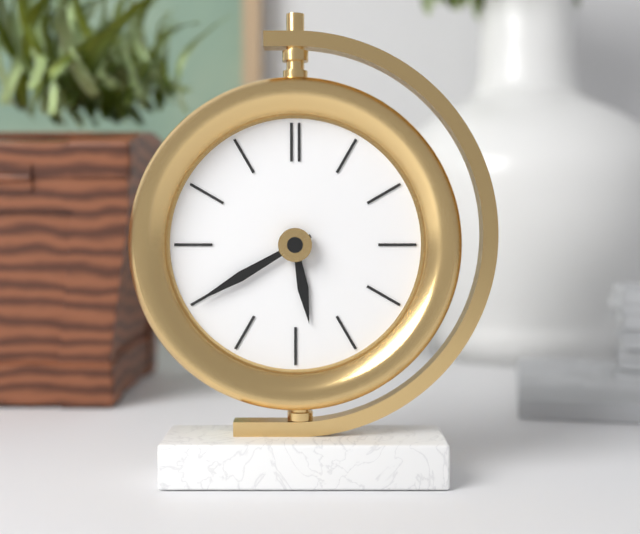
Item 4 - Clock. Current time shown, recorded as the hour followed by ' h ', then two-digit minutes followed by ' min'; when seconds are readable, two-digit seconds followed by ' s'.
5 h 40 min
